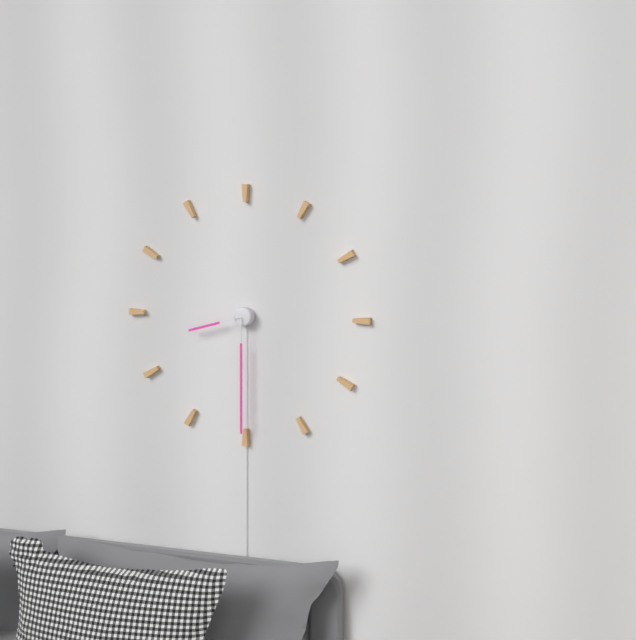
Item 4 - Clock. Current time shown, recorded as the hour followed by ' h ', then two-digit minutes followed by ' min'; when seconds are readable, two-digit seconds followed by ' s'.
8 h 30 min
